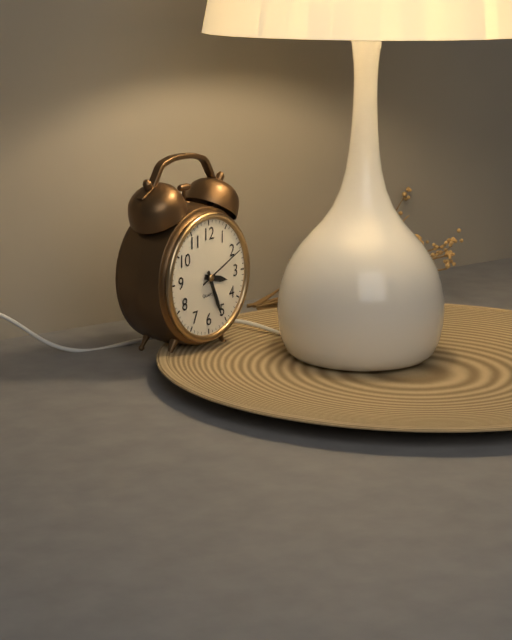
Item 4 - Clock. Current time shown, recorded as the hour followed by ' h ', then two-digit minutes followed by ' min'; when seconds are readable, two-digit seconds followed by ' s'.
3 h 26 min 11 s
